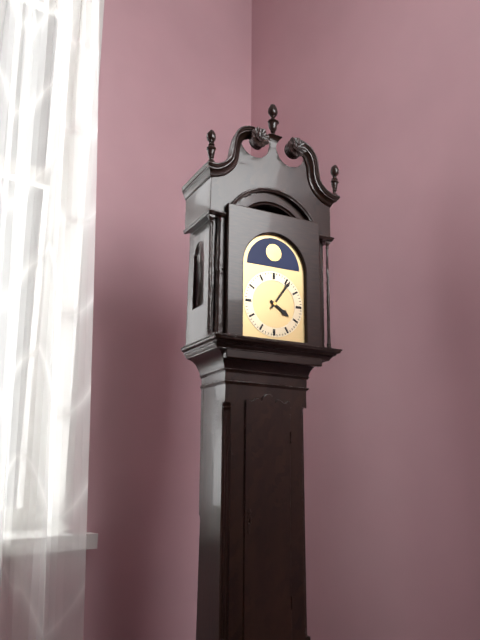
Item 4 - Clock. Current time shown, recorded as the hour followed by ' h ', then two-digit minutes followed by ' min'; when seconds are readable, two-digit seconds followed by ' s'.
4 h 06 min
